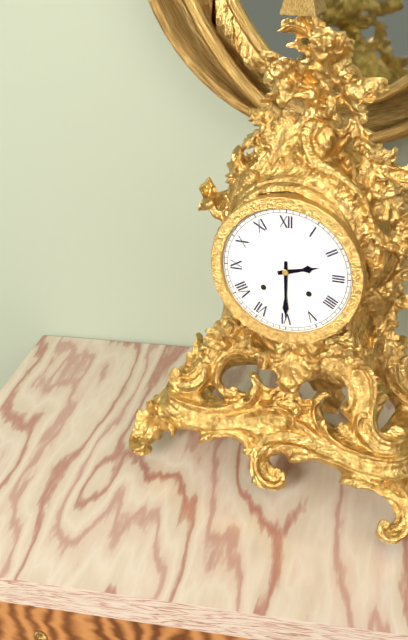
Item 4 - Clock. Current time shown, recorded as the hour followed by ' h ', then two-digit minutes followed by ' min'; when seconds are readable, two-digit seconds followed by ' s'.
2 h 30 min
